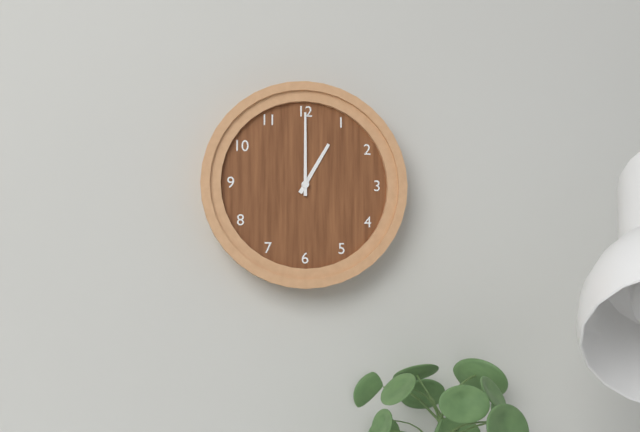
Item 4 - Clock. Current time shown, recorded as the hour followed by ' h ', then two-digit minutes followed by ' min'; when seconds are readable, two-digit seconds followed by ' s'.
1 h 00 min
